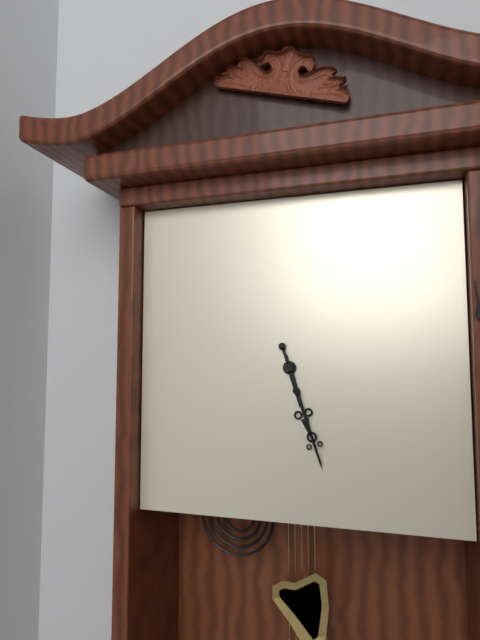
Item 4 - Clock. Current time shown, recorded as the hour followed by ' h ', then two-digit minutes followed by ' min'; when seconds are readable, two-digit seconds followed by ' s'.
5 h 27 min
